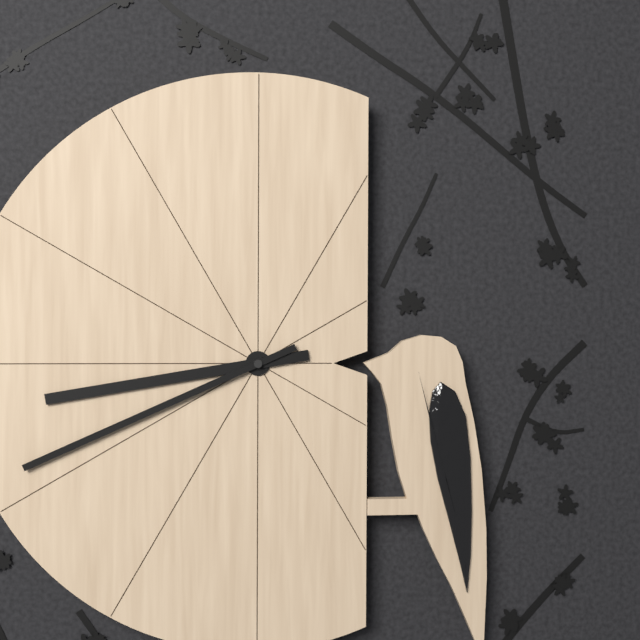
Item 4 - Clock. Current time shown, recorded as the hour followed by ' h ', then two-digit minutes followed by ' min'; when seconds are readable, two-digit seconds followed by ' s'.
8 h 41 min
